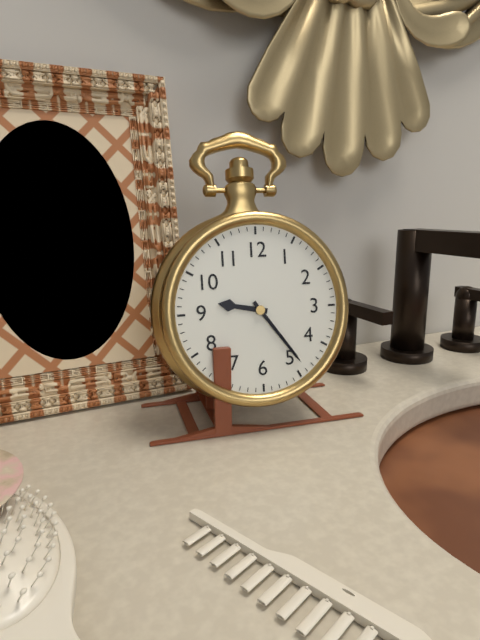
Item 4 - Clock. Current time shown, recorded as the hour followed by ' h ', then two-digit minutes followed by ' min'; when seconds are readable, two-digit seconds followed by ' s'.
9 h 24 min
